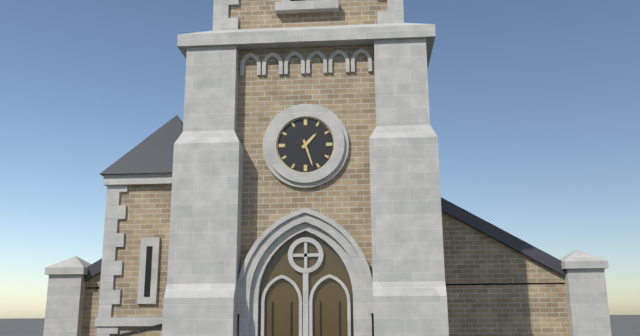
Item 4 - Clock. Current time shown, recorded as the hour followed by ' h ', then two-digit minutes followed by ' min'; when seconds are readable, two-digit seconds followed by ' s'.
1 h 27 min
